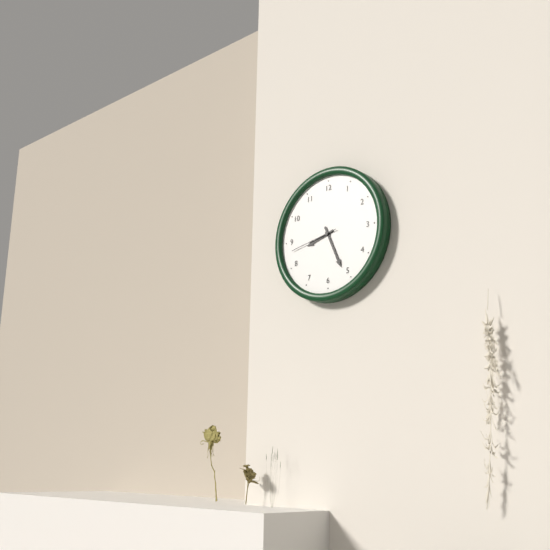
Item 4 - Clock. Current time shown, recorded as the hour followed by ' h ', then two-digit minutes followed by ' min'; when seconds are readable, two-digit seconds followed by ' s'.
8 h 26 min
